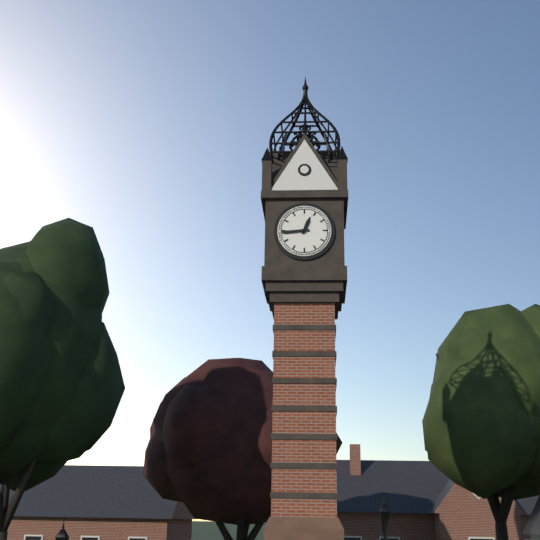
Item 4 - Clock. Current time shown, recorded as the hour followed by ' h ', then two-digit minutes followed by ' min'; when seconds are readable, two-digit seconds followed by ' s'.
12 h 44 min
